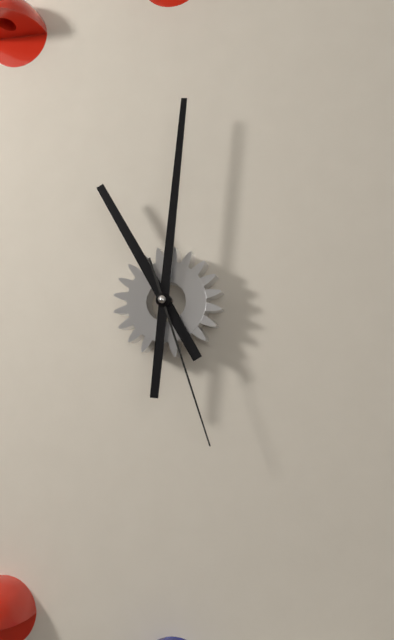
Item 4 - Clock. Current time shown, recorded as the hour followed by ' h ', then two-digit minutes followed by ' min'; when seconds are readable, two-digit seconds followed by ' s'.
11 h 01 min 27 s
